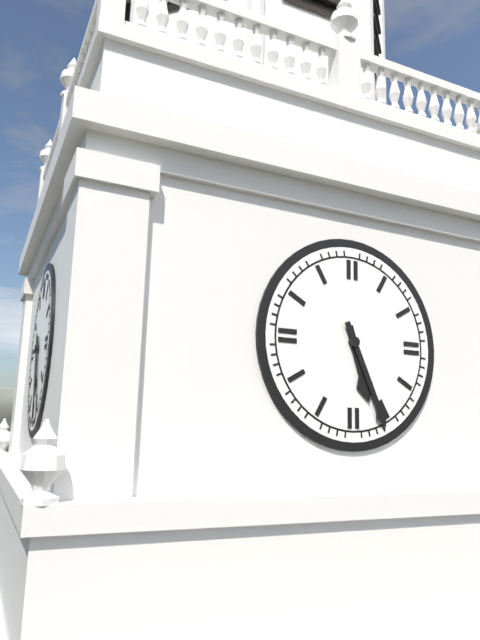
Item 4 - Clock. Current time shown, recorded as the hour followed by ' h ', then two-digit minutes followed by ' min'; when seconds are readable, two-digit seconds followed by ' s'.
5 h 26 min
